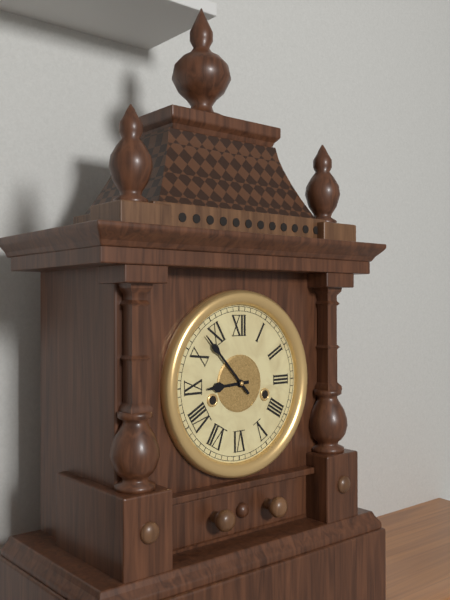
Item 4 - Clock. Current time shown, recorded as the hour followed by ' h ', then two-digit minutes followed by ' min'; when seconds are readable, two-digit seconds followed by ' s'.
8 h 53 min
